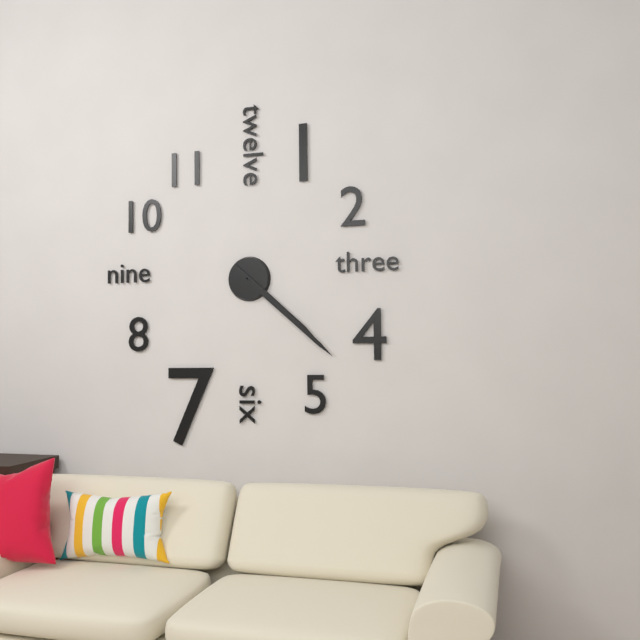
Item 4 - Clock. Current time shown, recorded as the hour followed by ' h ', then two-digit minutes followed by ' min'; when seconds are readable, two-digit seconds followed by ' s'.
4 h 22 min
